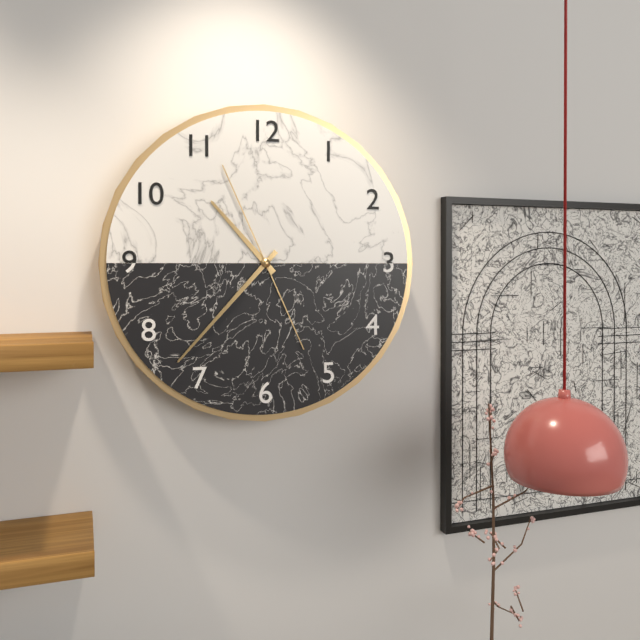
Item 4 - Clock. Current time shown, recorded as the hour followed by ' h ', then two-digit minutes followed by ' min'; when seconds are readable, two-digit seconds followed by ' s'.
10 h 37 min 56 s
